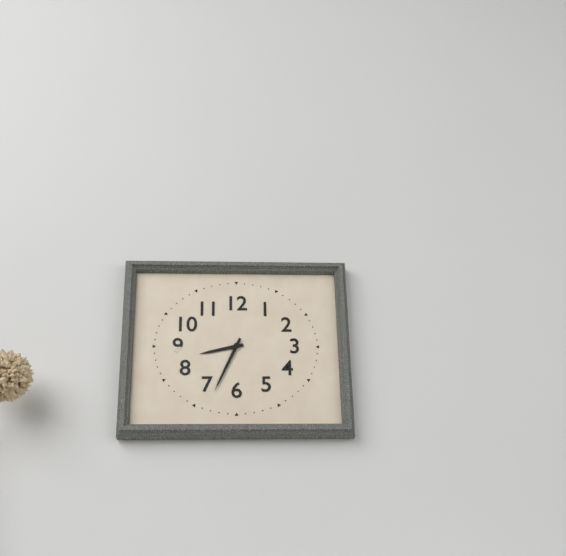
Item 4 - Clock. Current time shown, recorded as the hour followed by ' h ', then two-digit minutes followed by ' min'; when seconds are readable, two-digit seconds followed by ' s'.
8 h 34 min
